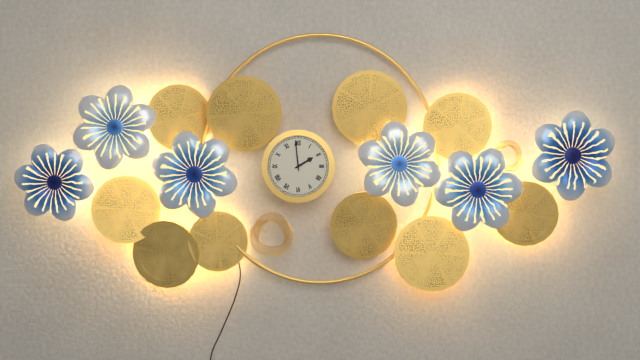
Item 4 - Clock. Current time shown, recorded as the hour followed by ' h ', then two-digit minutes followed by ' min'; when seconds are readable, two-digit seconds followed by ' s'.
1 h 59 min
